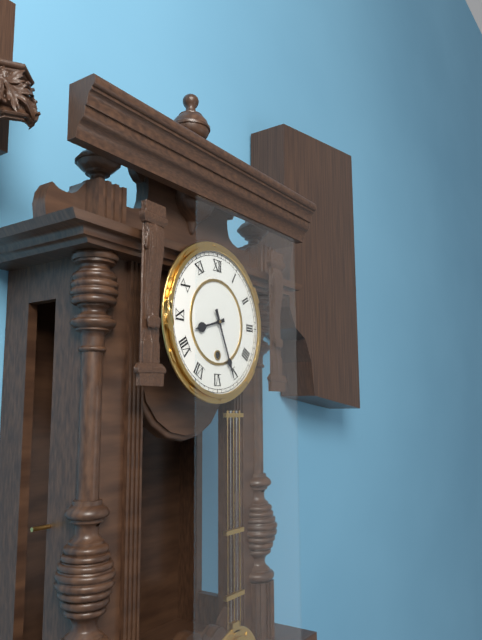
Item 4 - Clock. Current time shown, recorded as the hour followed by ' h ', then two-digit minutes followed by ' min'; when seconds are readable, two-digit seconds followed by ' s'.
8 h 26 min
